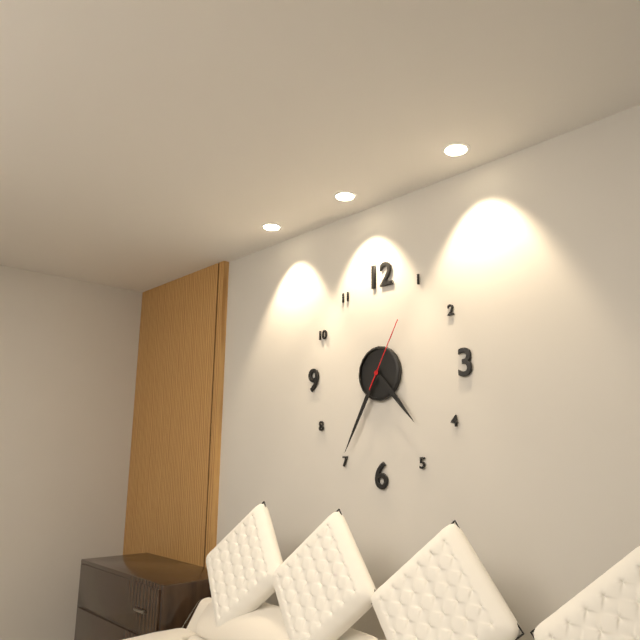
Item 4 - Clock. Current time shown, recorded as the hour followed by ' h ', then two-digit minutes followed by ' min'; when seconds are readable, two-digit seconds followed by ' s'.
4 h 35 min 05 s
